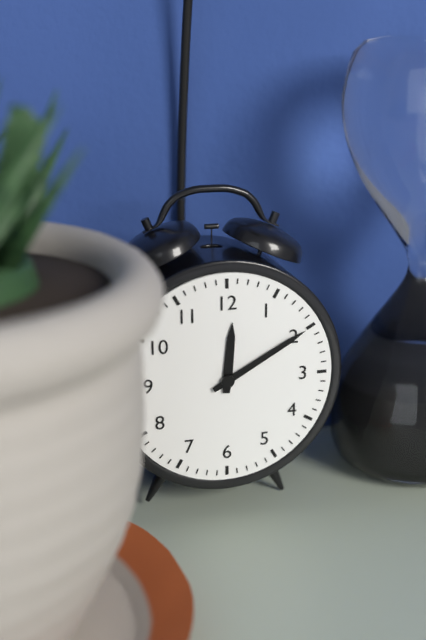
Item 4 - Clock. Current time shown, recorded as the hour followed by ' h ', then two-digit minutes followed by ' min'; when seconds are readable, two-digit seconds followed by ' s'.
12 h 10 min
